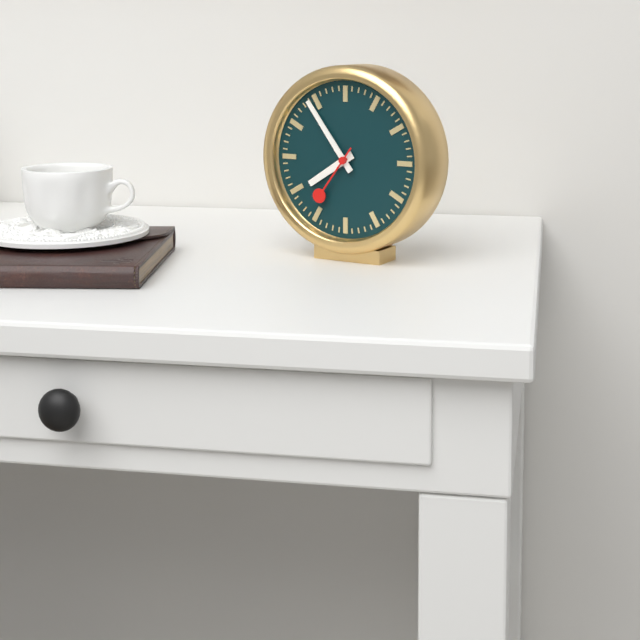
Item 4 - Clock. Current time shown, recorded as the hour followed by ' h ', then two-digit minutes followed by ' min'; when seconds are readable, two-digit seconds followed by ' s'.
7 h 54 min 36 s
